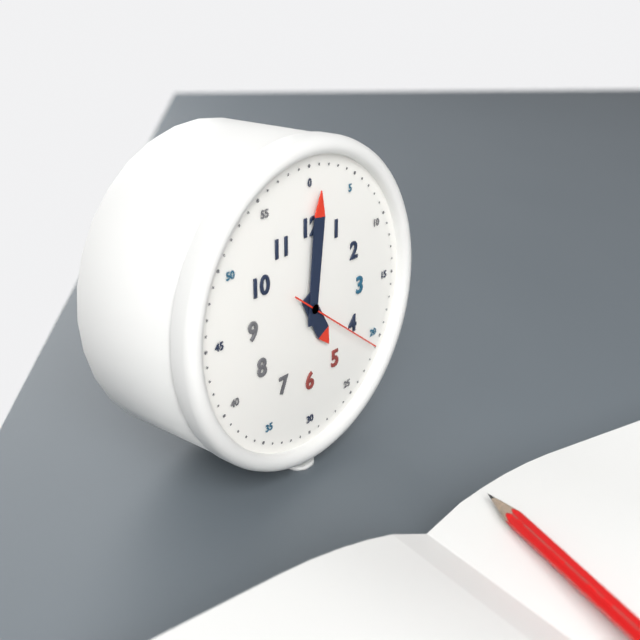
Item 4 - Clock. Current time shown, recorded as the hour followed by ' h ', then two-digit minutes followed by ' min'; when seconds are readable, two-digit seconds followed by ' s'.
5 h 01 min 21 s
